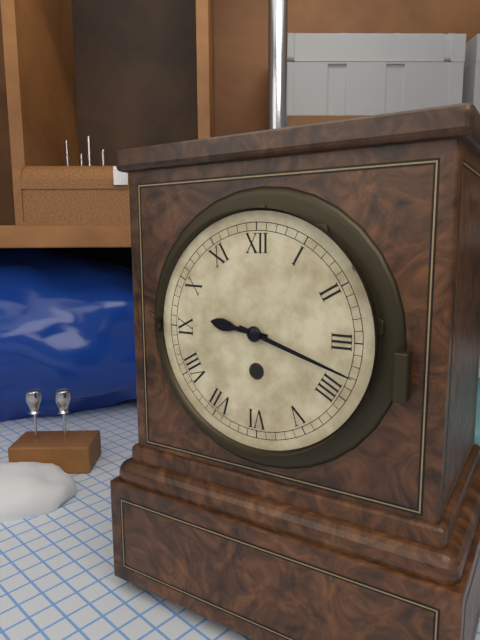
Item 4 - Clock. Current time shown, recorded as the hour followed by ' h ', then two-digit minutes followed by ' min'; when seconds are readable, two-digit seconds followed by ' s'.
9 h 18 min
